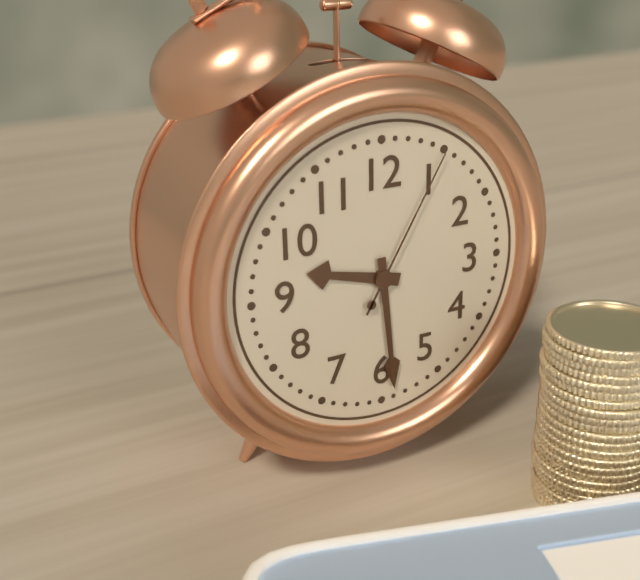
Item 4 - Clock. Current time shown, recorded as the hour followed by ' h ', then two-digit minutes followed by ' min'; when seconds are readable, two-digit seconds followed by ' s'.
9 h 29 min 05 s
